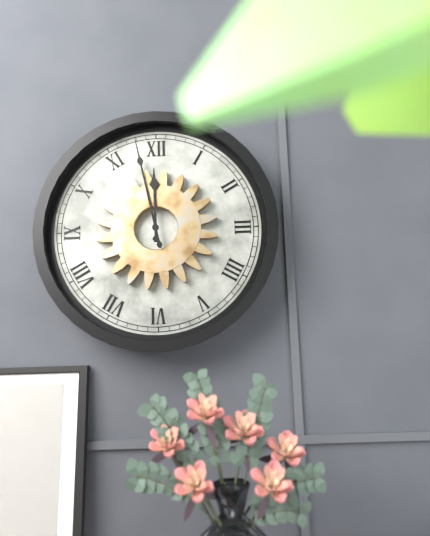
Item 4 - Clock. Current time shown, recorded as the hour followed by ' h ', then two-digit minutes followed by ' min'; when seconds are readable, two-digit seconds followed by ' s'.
11 h 58 min
